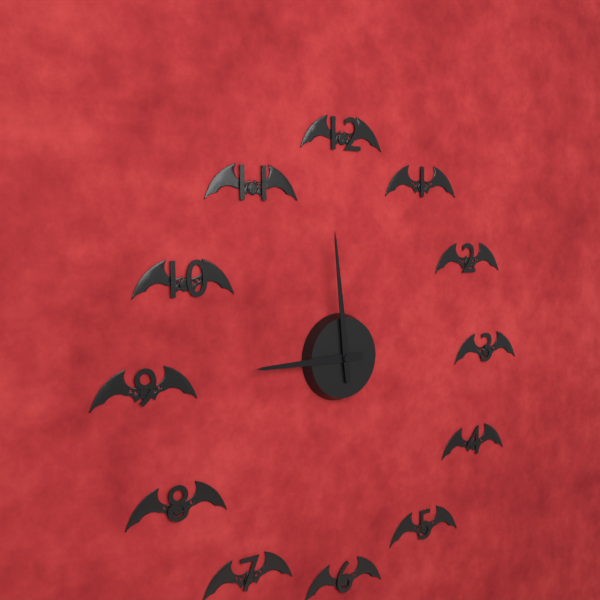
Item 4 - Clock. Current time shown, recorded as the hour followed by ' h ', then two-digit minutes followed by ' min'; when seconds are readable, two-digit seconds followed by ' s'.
8 h 59 min
